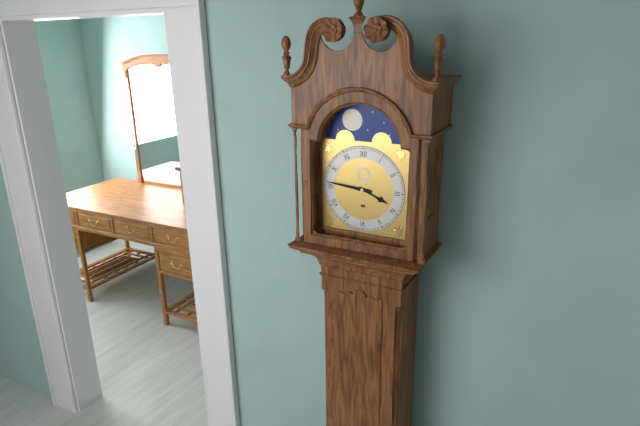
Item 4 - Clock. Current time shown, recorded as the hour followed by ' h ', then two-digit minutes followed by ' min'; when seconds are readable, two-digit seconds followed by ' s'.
3 h 46 min
